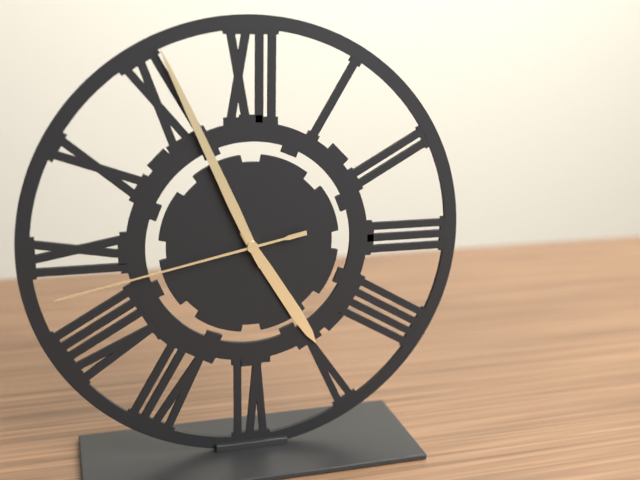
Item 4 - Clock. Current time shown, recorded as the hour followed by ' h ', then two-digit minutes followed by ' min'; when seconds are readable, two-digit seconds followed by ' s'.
4 h 56 min 43 s
